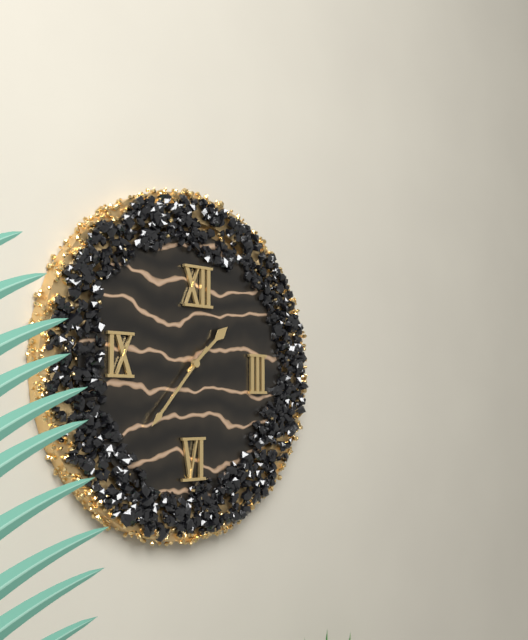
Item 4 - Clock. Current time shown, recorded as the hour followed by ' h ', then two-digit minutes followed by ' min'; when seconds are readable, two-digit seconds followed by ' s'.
1 h 37 min
